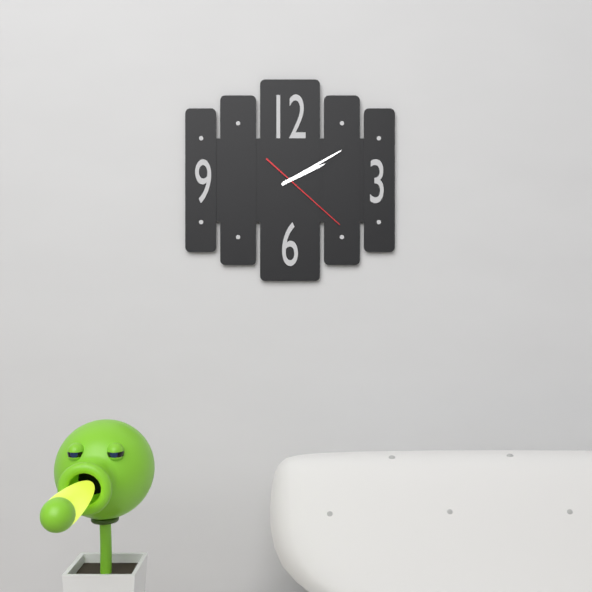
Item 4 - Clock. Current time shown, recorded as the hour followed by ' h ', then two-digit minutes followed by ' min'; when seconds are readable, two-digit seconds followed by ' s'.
2 h 10 min 22 s
